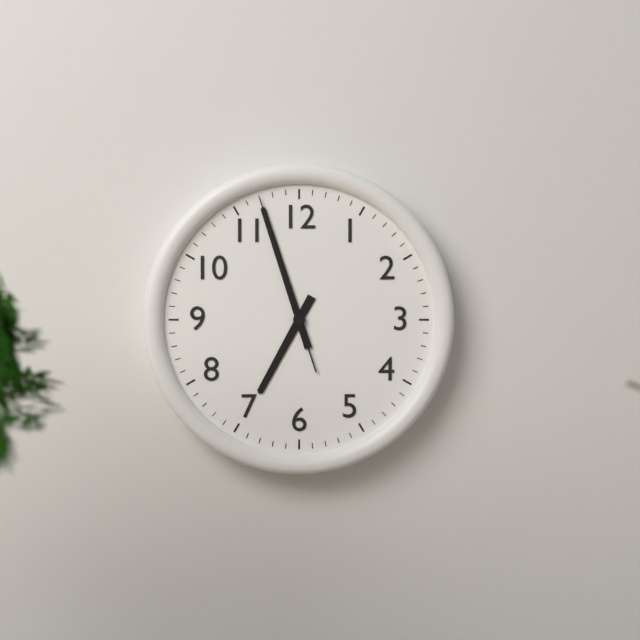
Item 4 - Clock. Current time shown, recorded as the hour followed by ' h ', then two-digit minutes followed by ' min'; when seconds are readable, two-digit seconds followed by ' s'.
6 h 57 min 57 s
